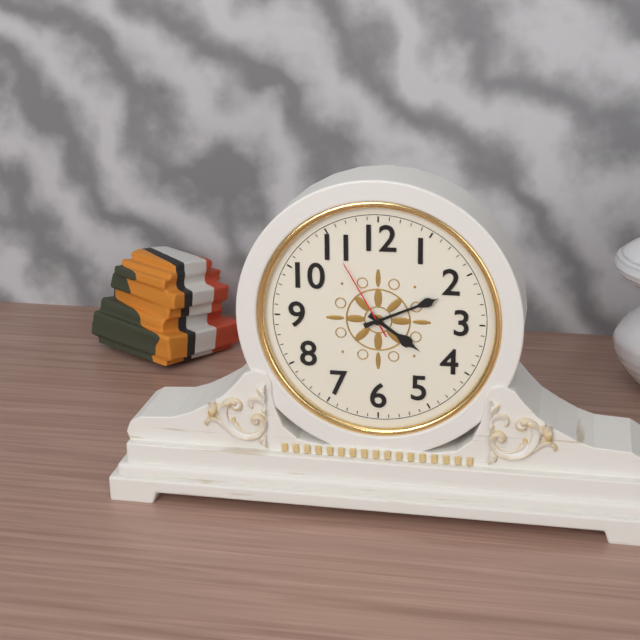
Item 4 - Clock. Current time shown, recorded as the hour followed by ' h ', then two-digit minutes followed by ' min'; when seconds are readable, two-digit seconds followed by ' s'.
4 h 11 min 55 s
